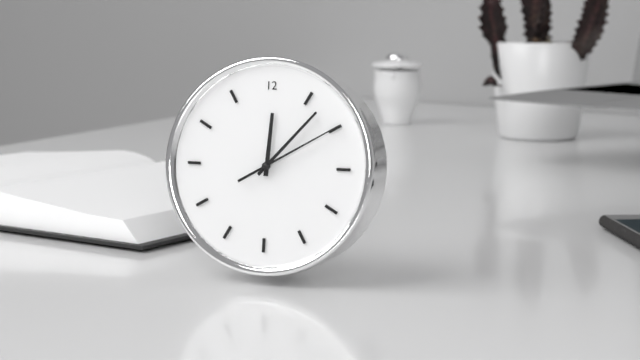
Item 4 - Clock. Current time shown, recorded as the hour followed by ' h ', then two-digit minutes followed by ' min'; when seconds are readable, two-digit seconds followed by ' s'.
12 h 07 min 10 s
